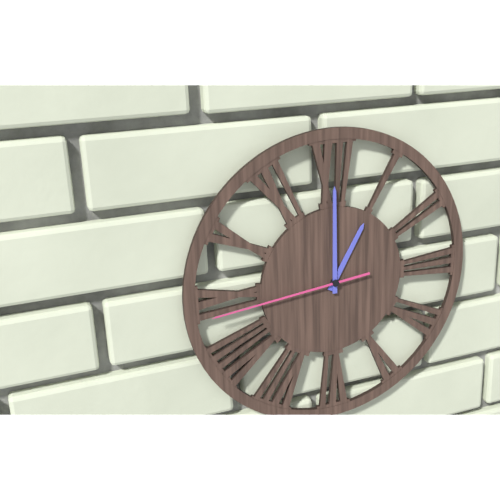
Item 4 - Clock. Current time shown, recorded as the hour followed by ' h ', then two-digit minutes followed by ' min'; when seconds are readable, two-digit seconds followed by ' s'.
1 h 00 min 44 s
